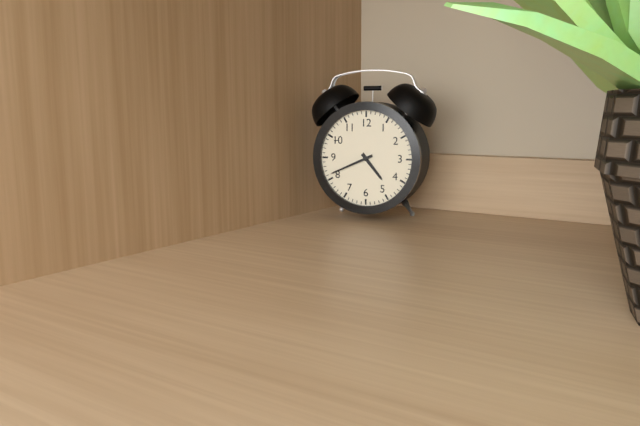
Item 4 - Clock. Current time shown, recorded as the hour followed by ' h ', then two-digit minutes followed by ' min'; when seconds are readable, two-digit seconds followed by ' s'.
4 h 41 min
